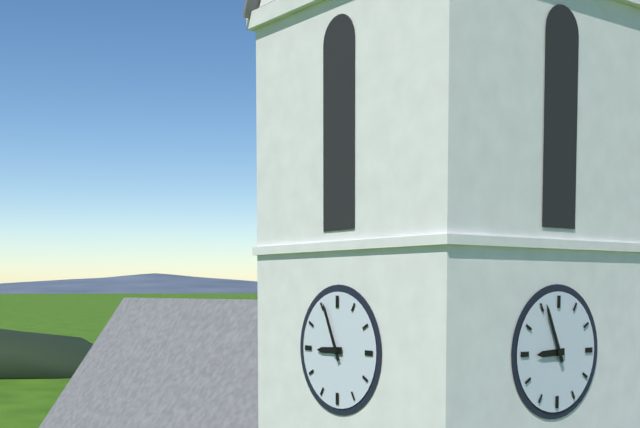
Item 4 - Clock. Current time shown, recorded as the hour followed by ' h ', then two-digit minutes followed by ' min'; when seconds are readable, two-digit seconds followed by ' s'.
8 h 56 min
